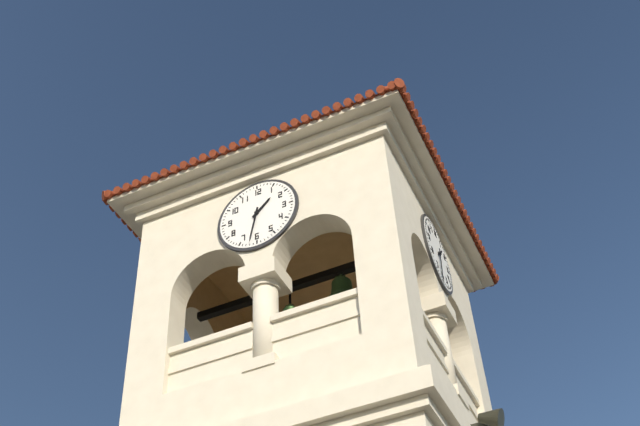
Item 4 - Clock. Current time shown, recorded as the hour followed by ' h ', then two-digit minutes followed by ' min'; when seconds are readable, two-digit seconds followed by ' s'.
1 h 32 min
